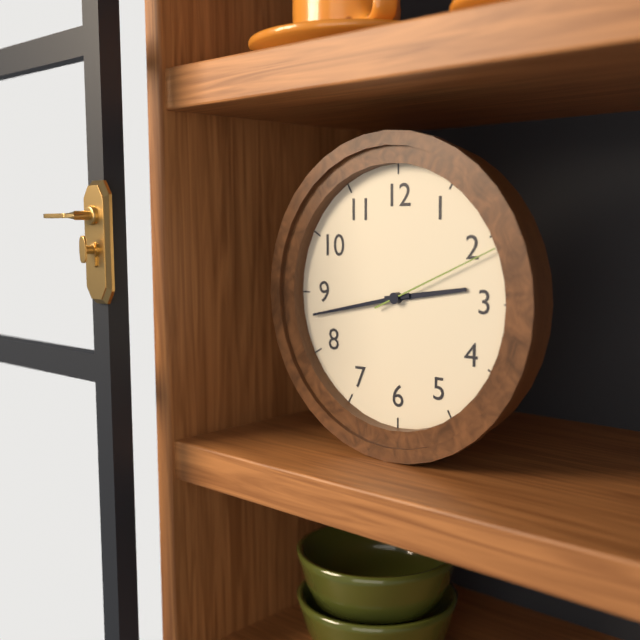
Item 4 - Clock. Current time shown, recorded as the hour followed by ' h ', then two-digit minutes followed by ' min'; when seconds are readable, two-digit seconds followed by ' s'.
2 h 43 min 11 s
